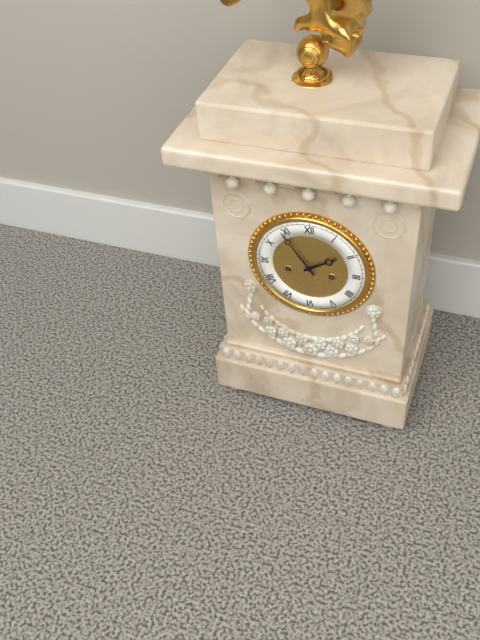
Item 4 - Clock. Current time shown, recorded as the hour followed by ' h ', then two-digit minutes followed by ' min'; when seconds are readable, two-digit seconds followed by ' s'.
1 h 54 min
